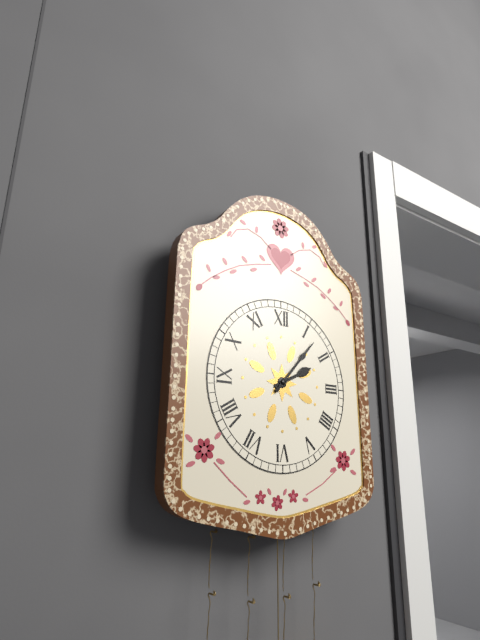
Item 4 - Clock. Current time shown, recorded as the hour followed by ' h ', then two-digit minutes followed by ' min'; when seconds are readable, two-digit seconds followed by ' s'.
2 h 07 min
